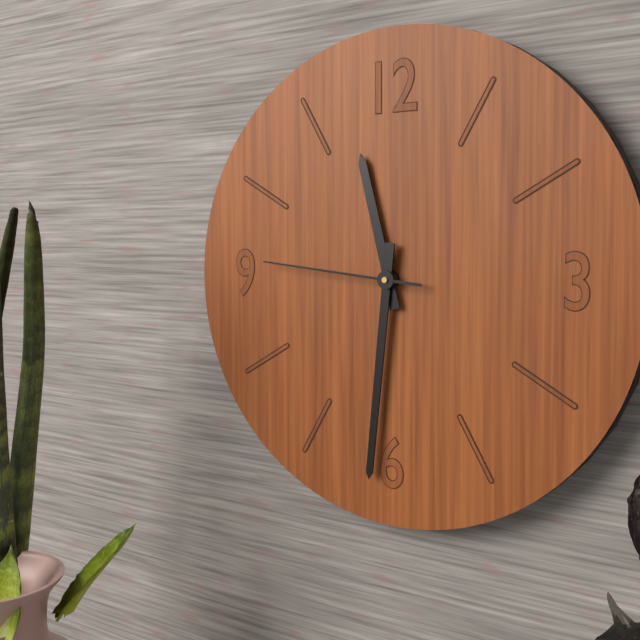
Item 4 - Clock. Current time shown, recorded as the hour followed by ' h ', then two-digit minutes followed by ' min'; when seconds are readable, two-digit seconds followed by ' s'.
11 h 31 min 46 s
